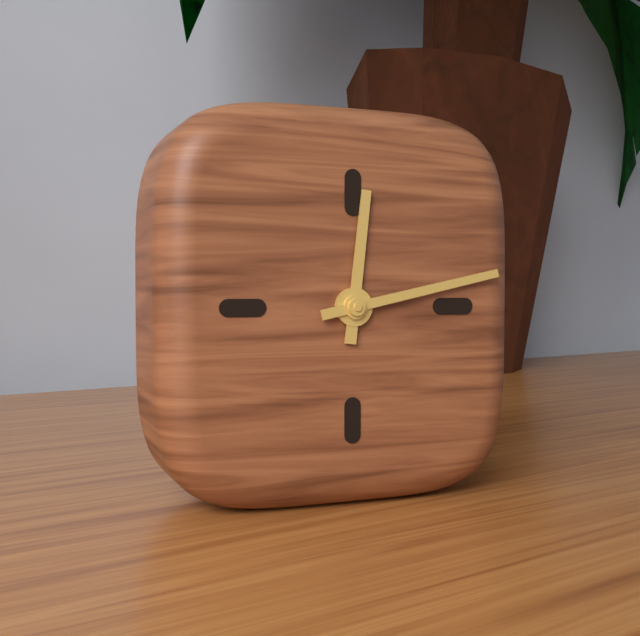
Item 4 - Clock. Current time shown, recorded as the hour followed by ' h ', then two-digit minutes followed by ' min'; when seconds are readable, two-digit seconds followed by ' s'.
12 h 13 min
